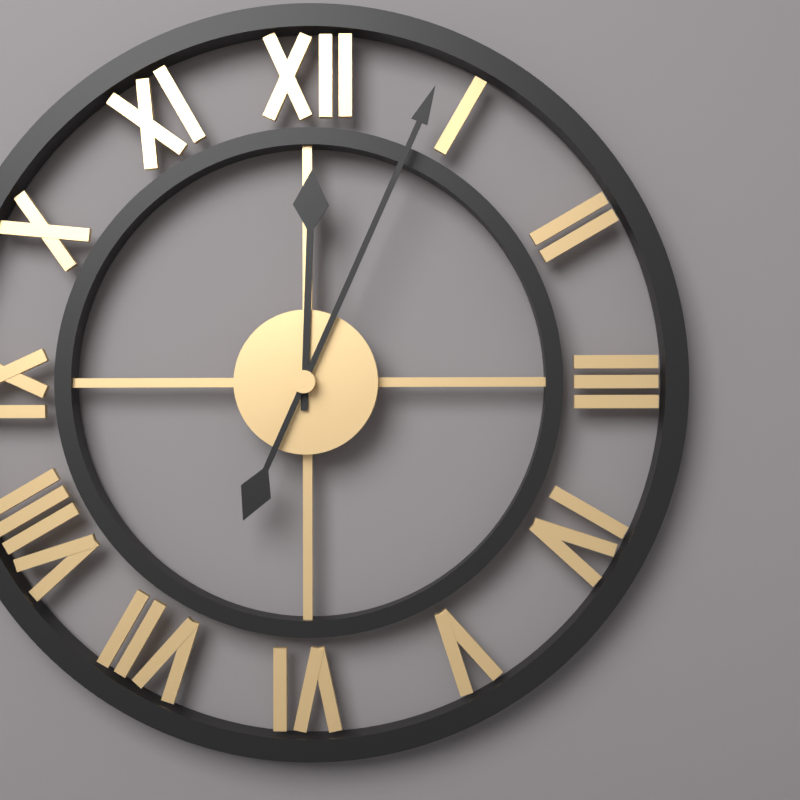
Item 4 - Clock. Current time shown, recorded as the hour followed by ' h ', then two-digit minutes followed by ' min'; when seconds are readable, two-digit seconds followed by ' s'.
12 h 04 min
